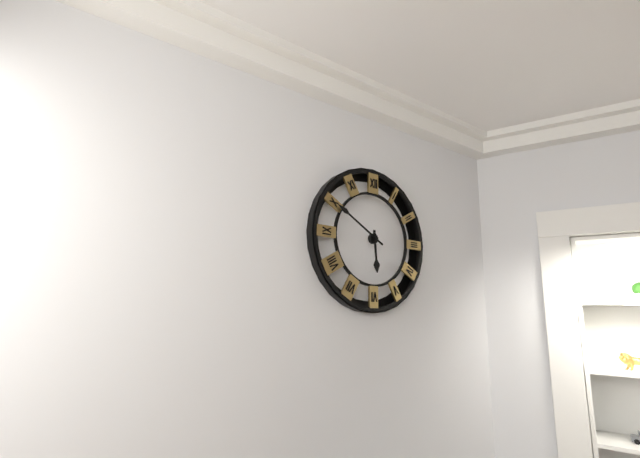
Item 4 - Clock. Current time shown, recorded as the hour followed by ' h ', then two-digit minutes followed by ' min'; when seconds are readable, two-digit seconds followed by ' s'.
5 h 50 min
